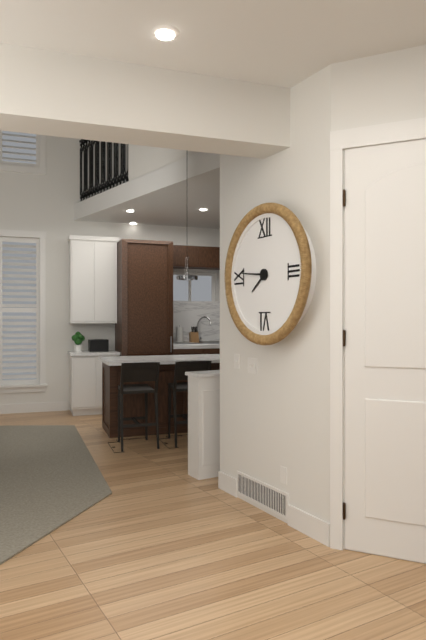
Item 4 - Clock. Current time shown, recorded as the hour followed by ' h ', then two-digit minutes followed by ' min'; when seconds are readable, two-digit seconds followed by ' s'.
7 h 46 min
